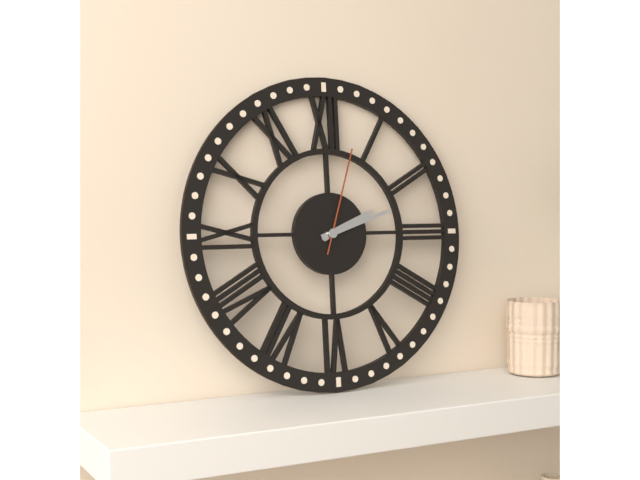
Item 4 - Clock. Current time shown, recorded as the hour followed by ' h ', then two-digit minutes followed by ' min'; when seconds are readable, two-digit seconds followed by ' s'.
2 h 12 min 03 s
